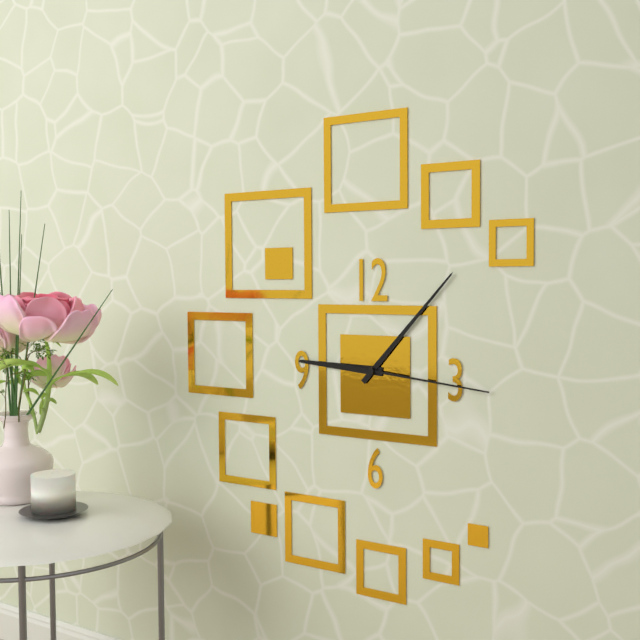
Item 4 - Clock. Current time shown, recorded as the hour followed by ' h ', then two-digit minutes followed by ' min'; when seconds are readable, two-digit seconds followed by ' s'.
9 h 07 min 16 s
